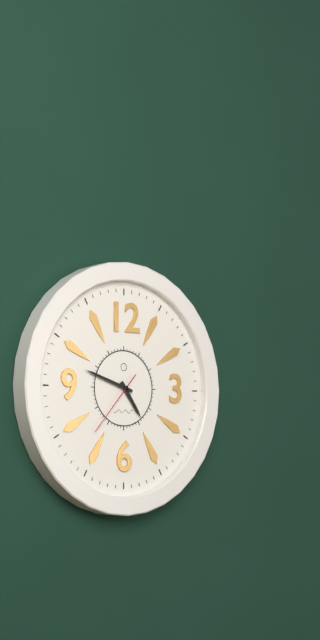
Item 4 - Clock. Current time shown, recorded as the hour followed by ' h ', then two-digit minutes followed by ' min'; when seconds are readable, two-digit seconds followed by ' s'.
4 h 48 min 37 s
